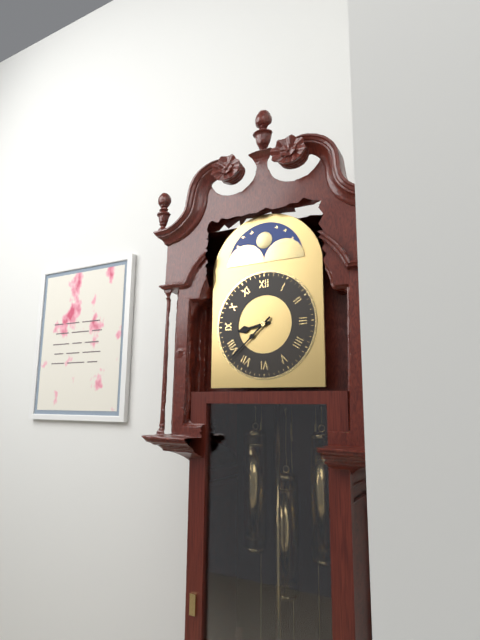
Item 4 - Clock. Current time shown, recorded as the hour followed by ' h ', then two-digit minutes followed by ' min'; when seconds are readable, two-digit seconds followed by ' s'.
8 h 38 min
